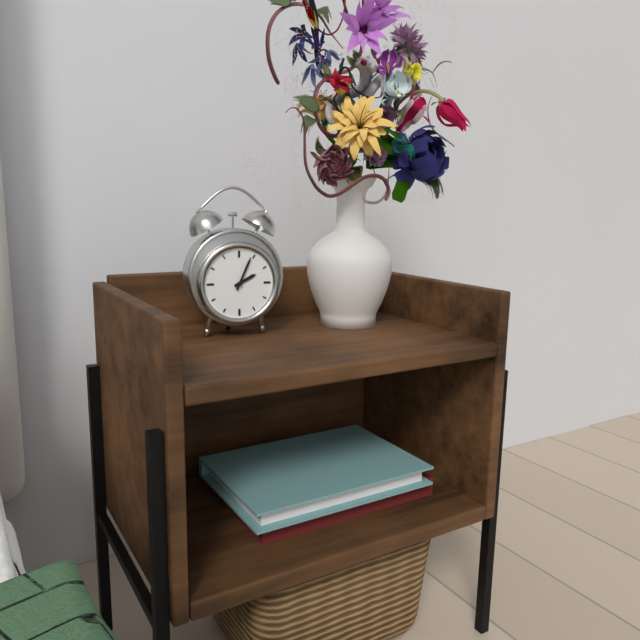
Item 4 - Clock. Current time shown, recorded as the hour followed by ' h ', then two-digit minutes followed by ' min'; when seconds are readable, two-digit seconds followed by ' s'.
2 h 04 min
